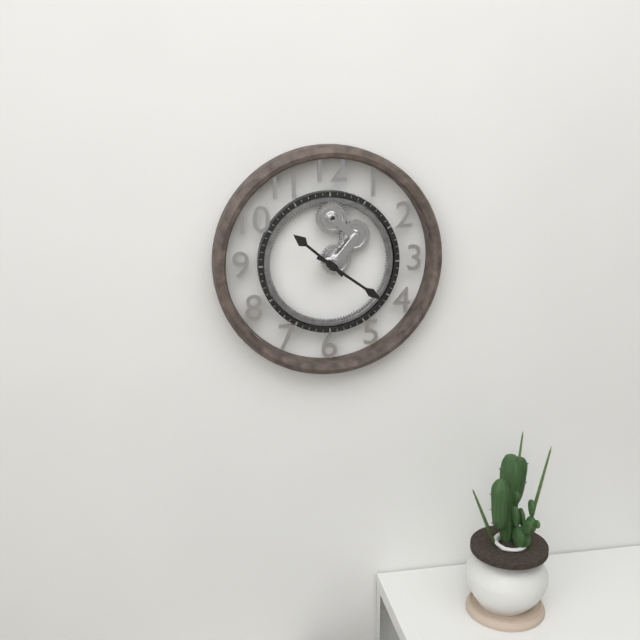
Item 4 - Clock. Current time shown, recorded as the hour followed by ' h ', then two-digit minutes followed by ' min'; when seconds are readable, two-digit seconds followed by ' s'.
10 h 21 min
